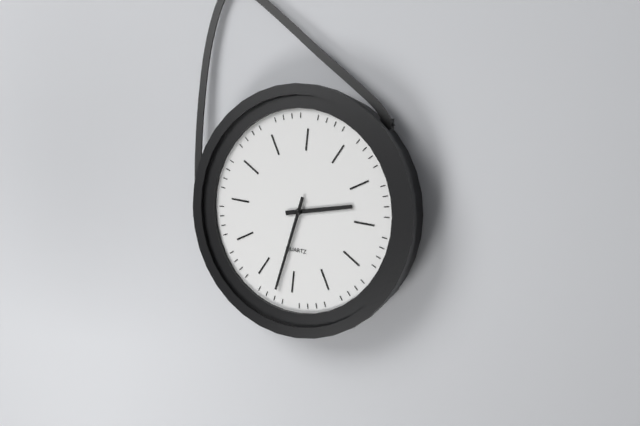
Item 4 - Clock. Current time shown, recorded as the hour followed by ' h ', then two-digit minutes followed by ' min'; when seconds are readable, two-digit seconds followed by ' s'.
2 h 32 min
